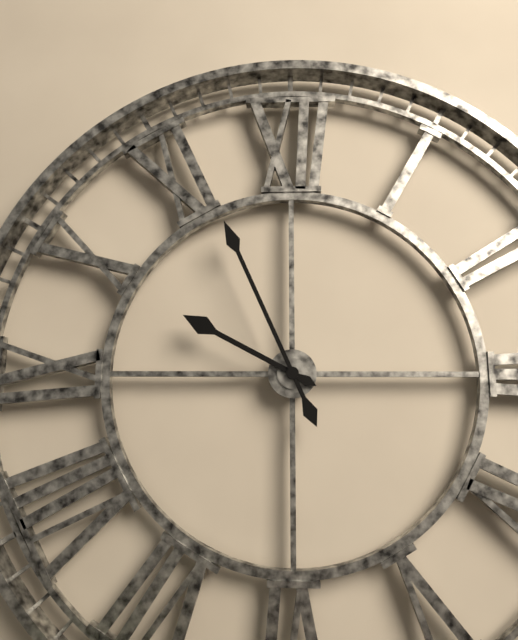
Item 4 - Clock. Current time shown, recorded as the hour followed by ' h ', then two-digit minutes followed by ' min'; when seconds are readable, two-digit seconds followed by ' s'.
9 h 56 min
